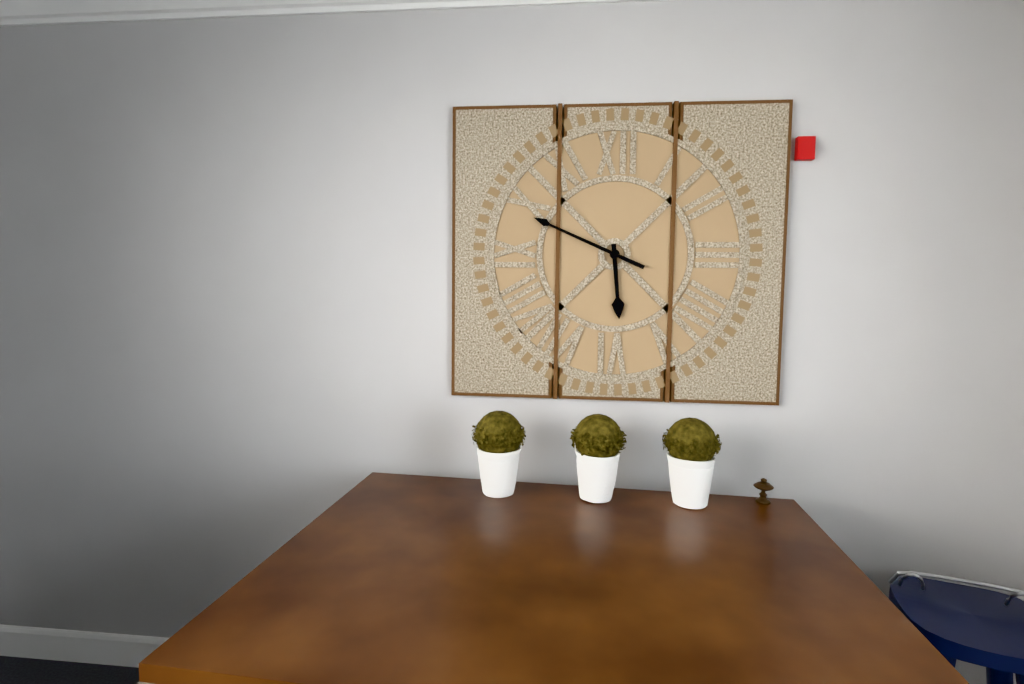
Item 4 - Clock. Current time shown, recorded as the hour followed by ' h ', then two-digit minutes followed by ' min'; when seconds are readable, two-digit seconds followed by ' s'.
5 h 49 min
